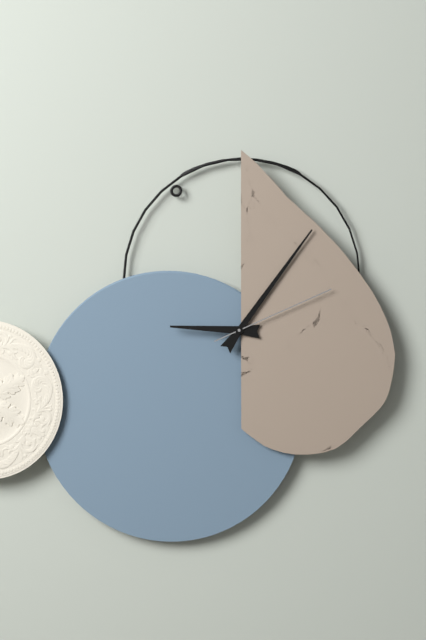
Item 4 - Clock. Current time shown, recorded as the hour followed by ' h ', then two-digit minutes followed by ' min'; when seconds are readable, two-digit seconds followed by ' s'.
9 h 06 min 11 s
